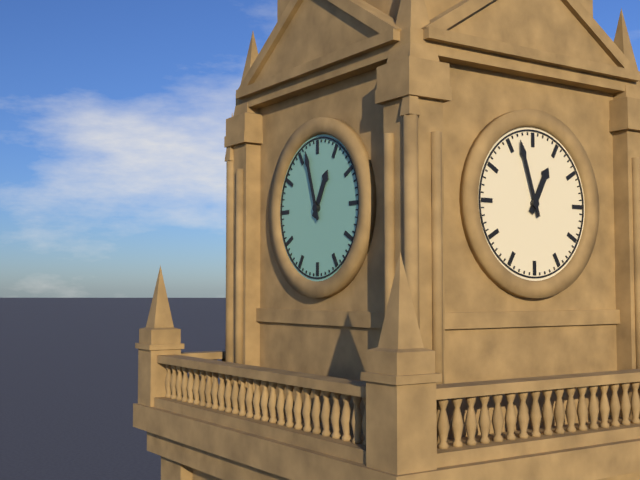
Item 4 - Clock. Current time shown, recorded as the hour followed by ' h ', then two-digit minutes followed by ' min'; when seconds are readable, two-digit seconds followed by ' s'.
12 h 57 min
